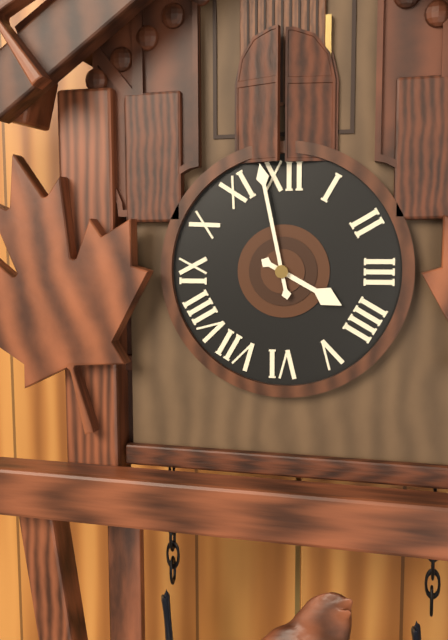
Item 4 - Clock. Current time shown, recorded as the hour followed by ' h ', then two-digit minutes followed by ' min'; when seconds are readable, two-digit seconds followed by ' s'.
3 h 58 min
